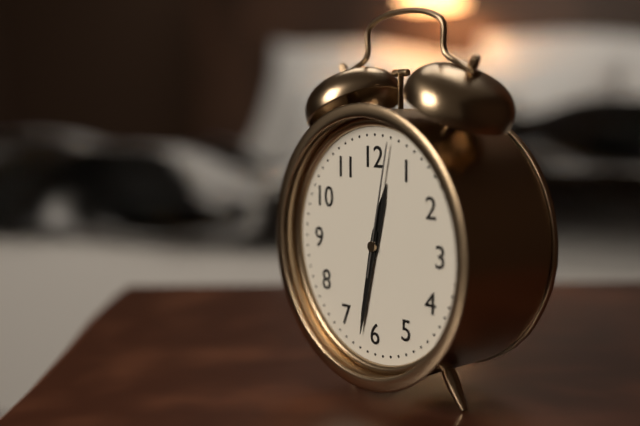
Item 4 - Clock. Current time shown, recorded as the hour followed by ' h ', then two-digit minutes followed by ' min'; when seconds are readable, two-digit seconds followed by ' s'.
12 h 32 min 02 s
